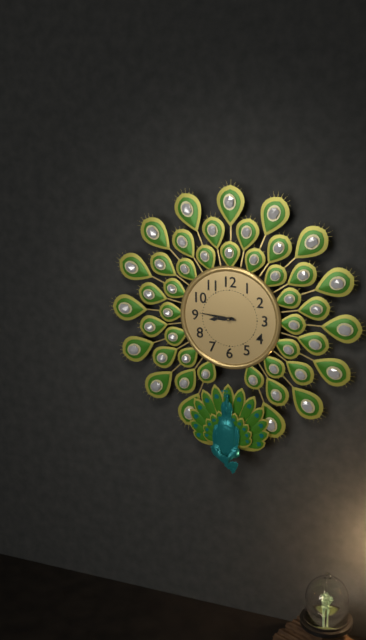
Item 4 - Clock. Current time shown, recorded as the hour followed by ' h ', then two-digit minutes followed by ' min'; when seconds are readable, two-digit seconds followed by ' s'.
8 h 46 min
